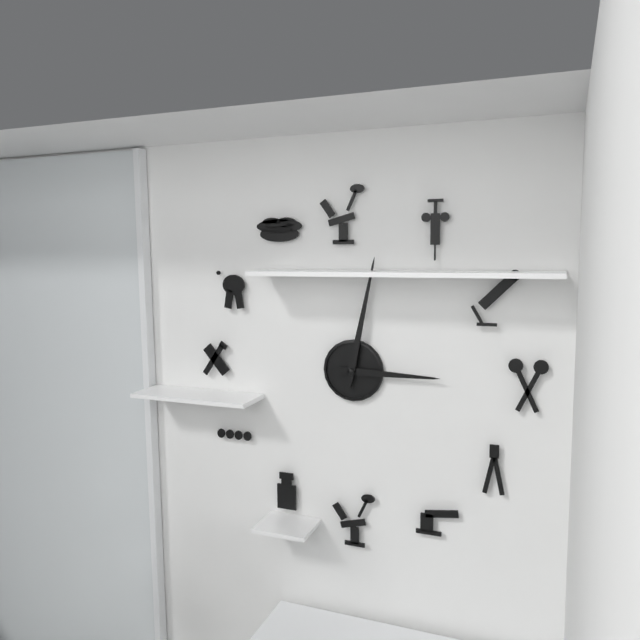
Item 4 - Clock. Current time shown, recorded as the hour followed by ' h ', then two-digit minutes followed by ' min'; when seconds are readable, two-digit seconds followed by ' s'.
3 h 02 min
